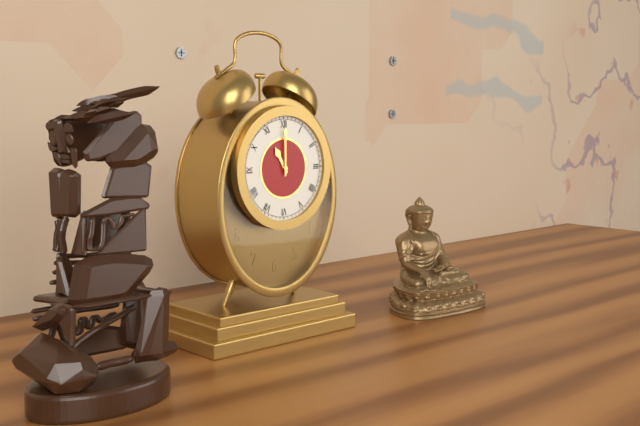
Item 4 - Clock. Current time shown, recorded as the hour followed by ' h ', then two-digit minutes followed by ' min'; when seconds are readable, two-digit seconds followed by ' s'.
11 h 00 min
